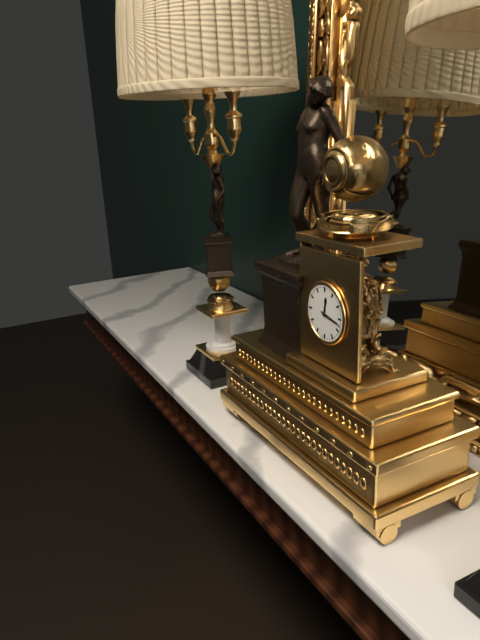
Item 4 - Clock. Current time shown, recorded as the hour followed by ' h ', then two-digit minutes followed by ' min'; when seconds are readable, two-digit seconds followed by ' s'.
12 h 17 min
